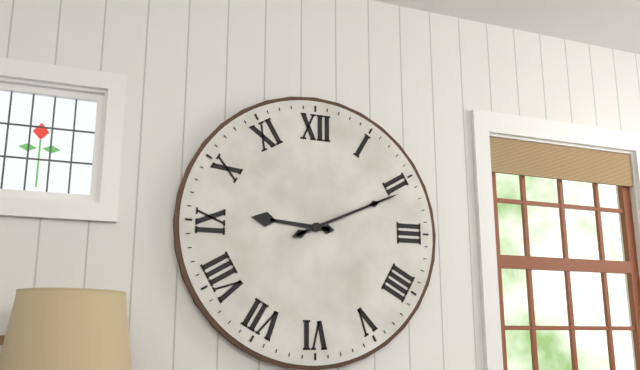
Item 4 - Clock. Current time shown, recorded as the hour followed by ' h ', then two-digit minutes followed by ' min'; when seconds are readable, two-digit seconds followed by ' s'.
9 h 11 min
